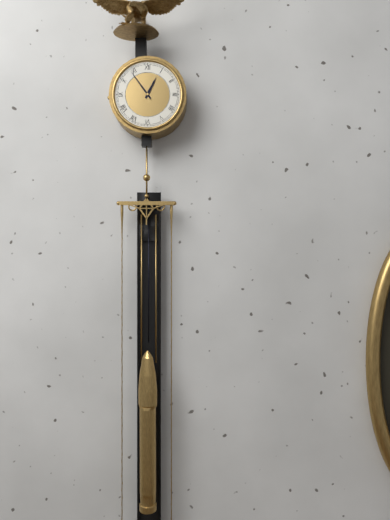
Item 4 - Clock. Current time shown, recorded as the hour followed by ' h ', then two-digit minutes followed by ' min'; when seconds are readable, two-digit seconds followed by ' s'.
12 h 54 min
